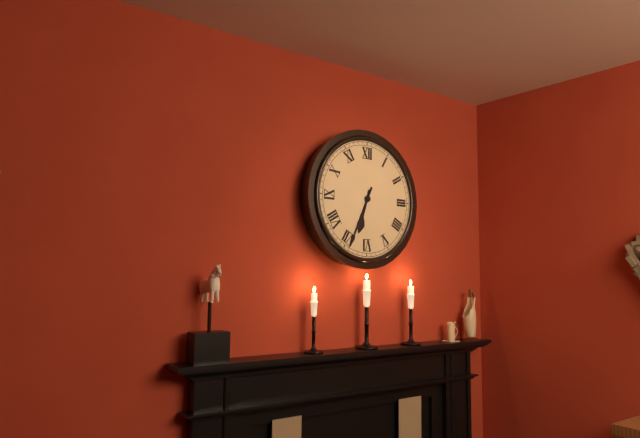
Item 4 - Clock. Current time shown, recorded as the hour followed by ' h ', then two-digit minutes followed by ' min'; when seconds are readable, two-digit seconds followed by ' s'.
6 h 34 min
